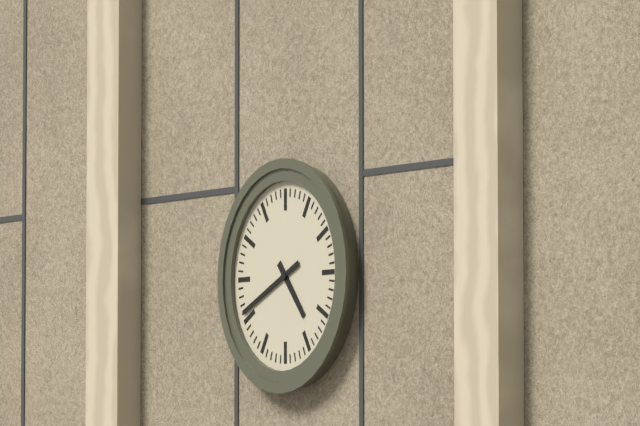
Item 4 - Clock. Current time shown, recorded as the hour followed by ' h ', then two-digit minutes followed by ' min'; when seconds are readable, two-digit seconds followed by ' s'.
4 h 41 min
